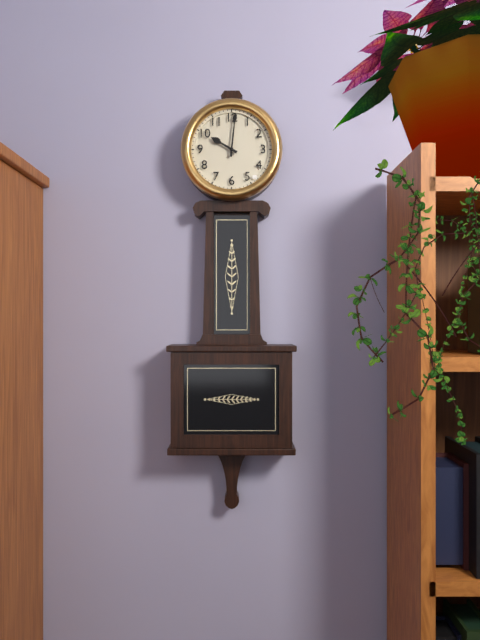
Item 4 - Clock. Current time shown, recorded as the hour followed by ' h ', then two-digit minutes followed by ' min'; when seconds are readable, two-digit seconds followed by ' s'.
10 h 01 min
